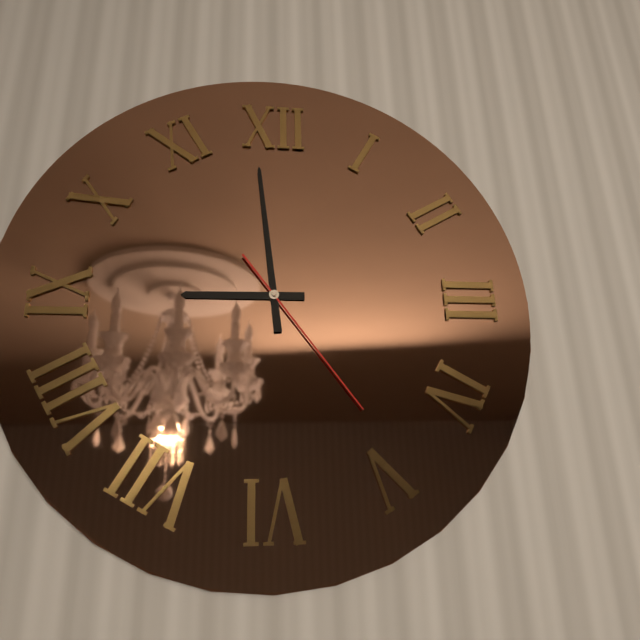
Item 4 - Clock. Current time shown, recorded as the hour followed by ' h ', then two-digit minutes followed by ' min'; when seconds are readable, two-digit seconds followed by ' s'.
8 h 59 min 24 s
